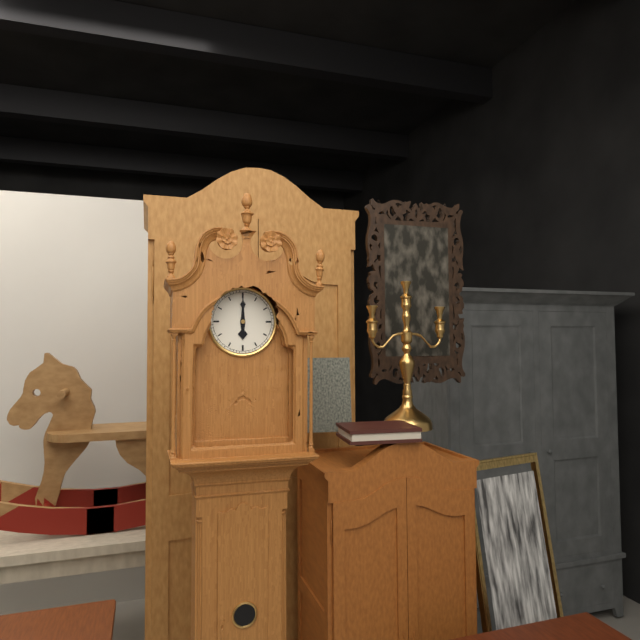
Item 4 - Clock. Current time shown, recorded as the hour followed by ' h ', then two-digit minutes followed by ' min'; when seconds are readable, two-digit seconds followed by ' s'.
6 h 00 min
